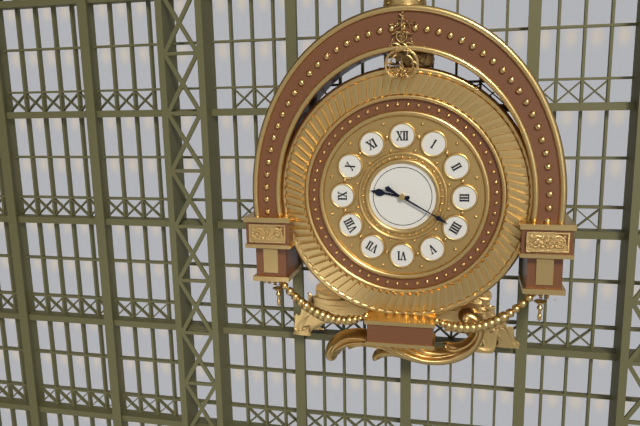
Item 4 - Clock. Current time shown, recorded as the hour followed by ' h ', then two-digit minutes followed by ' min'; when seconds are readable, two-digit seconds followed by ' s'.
9 h 20 min
